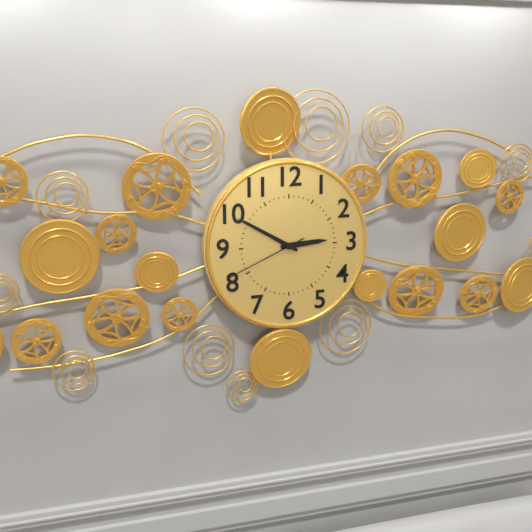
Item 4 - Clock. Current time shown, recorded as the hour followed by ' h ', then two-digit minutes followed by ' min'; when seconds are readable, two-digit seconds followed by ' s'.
2 h 50 min 41 s
